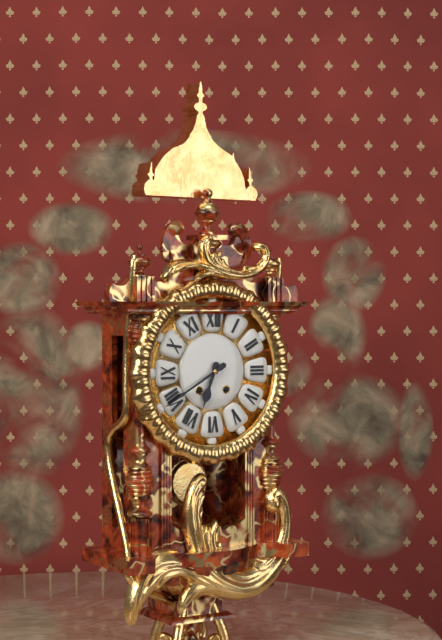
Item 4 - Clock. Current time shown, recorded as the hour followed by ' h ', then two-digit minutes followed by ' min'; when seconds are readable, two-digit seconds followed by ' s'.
6 h 40 min
